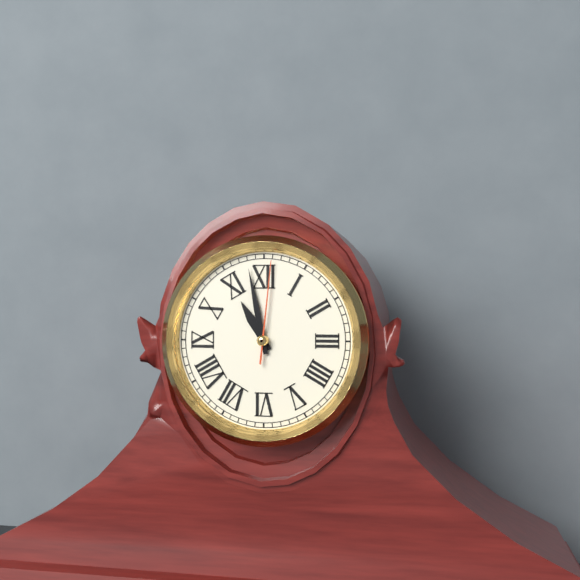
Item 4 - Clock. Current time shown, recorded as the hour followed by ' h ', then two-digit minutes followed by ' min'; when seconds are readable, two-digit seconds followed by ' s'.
10 h 58 min 01 s
